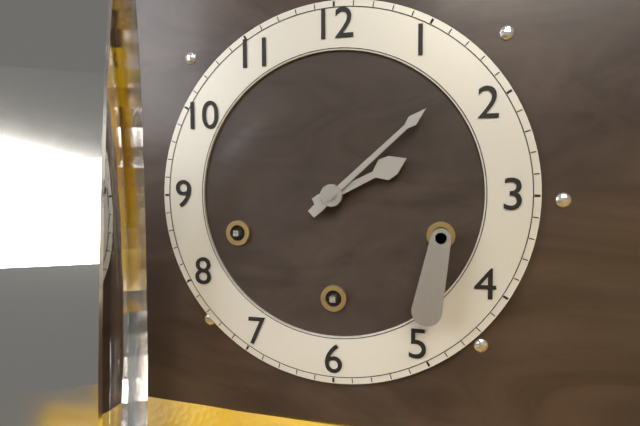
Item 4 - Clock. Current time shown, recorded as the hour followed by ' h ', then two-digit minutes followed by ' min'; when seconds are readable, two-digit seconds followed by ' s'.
2 h 08 min
